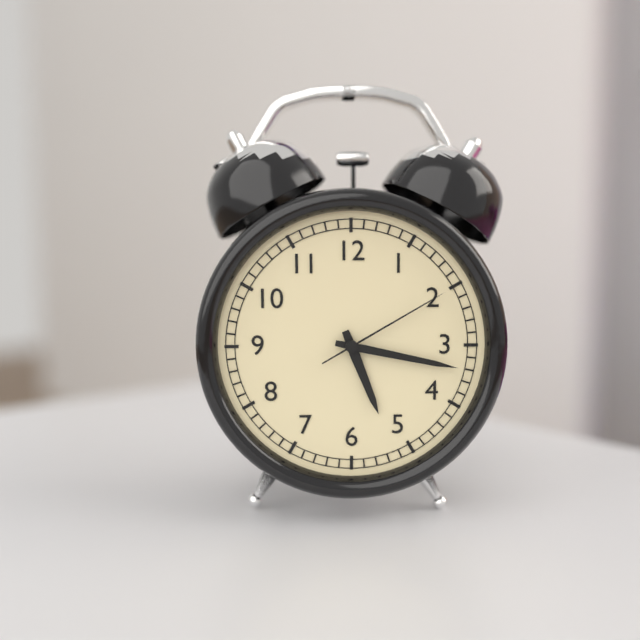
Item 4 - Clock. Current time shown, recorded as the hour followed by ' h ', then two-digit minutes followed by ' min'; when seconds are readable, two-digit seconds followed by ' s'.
5 h 17 min 10 s
